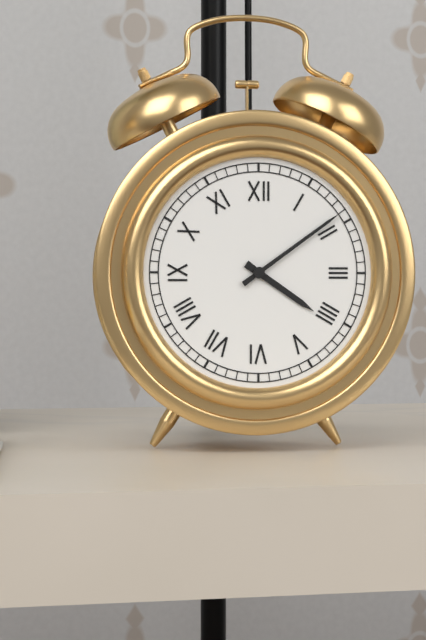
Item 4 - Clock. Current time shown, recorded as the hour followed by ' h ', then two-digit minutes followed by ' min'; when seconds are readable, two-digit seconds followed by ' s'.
4 h 09 min
